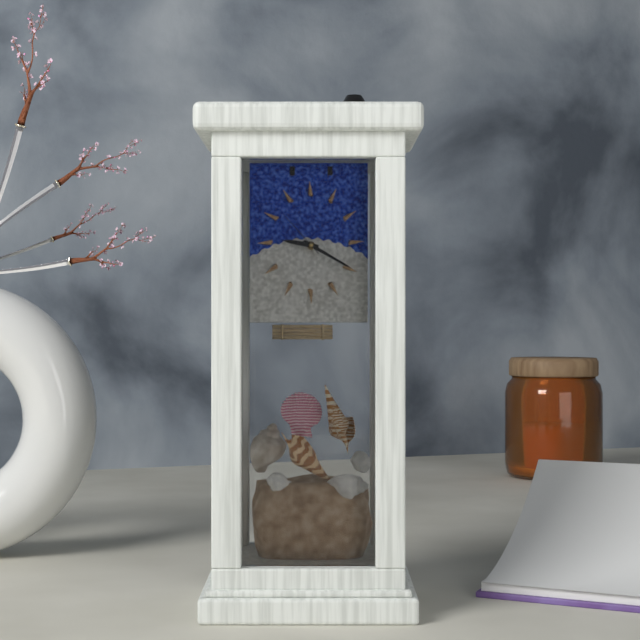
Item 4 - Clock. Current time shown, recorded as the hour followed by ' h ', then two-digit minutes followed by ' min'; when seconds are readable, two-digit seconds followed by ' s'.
9 h 20 min 53 s
